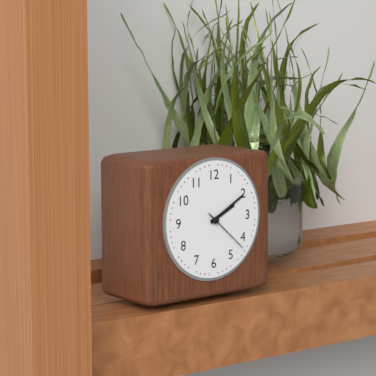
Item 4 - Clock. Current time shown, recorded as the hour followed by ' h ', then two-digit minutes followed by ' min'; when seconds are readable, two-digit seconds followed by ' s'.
2 h 10 min
